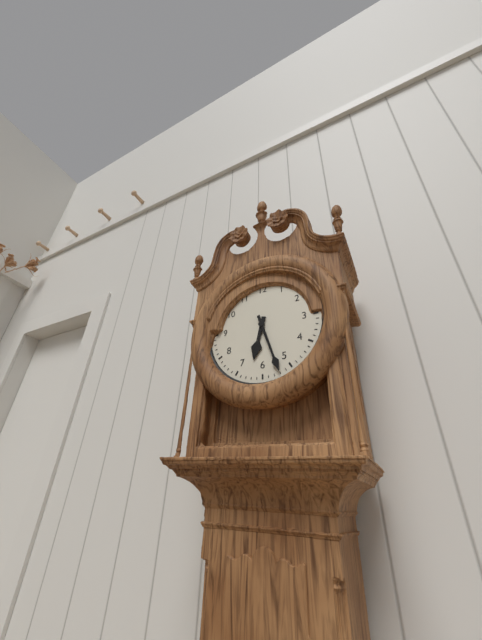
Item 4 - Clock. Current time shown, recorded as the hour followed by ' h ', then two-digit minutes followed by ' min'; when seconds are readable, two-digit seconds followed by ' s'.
6 h 27 min
